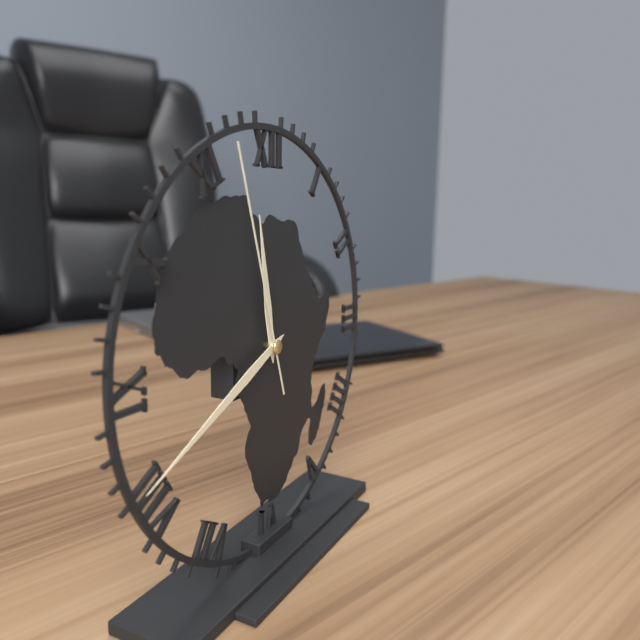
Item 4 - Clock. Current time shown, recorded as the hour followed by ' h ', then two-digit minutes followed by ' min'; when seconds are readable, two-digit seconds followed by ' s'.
11 h 41 min 57 s
